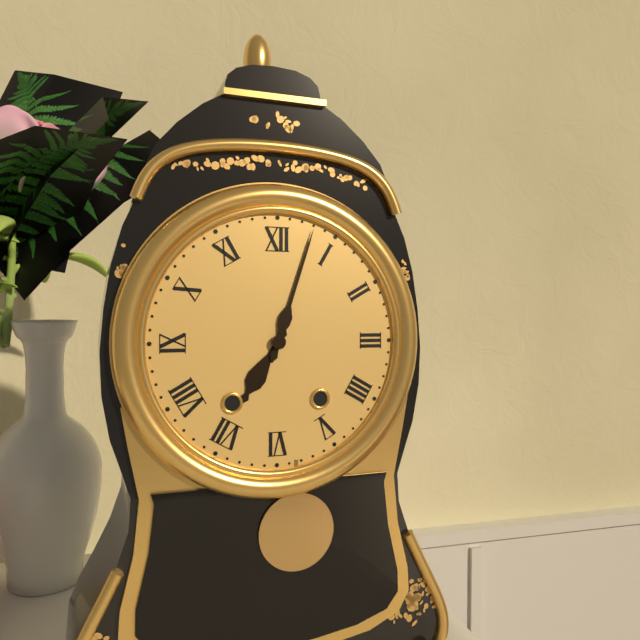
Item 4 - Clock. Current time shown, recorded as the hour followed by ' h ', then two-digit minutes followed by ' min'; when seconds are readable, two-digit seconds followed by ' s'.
7 h 03 min
